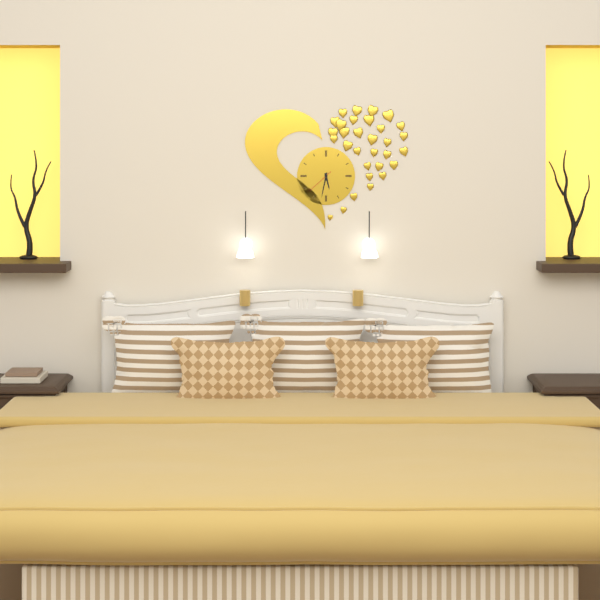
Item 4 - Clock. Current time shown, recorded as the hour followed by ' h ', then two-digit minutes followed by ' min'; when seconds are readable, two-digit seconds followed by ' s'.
5 h 32 min
